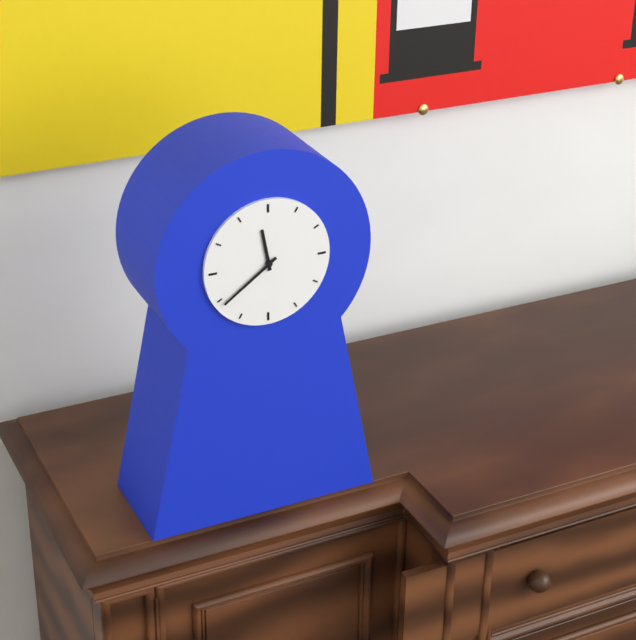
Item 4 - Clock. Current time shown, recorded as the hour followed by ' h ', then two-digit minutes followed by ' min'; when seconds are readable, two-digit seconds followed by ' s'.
11 h 39 min
